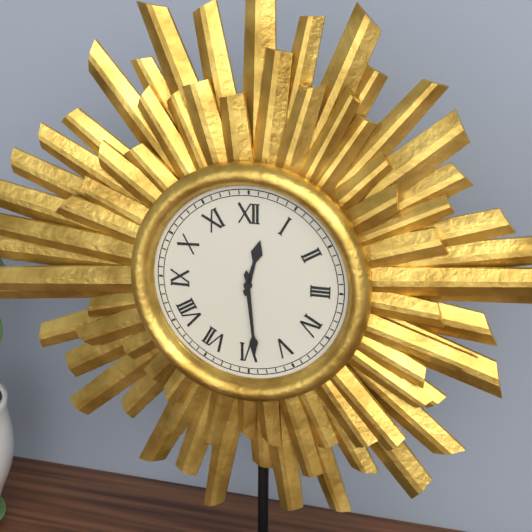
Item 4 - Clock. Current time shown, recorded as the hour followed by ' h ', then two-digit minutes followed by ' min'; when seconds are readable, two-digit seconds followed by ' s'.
12 h 29 min
